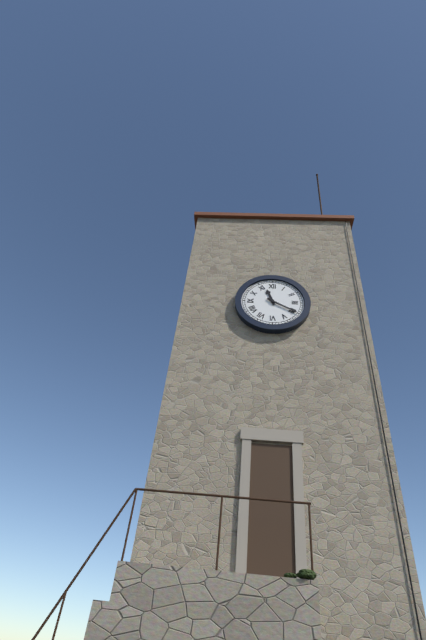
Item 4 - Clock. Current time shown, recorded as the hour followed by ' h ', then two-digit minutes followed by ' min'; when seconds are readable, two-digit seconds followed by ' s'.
11 h 20 min
